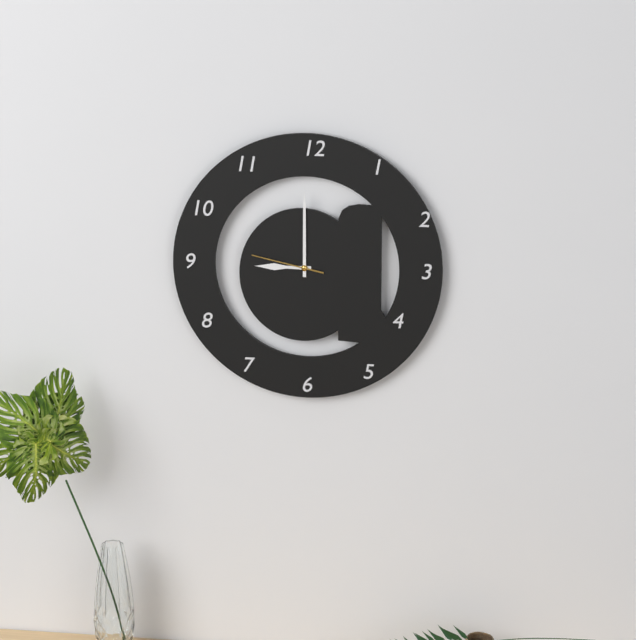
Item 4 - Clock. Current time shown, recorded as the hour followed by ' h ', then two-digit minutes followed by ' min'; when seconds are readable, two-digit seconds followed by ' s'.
9 h 00 min 47 s
